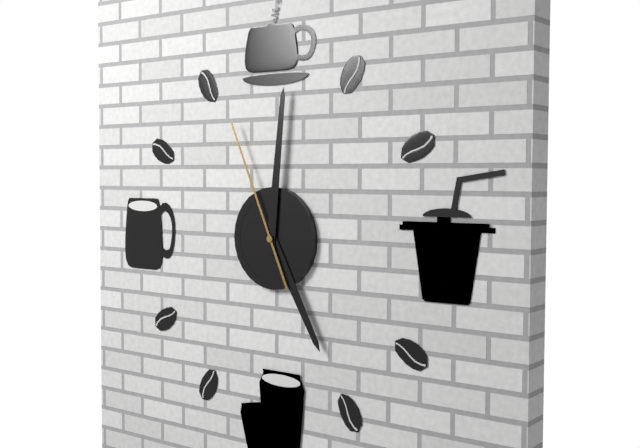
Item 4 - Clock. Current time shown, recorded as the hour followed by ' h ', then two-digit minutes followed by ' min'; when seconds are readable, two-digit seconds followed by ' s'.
5 h 01 min 56 s
